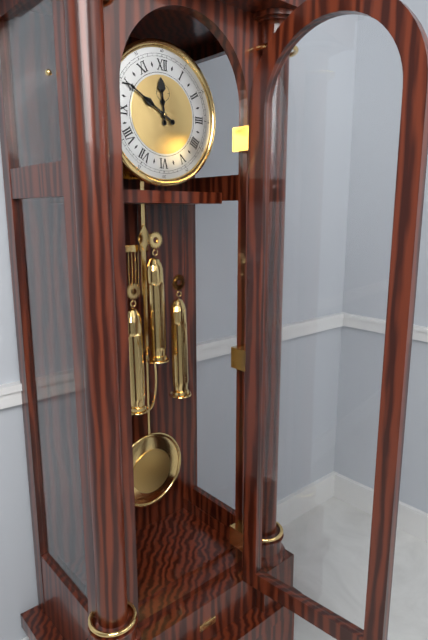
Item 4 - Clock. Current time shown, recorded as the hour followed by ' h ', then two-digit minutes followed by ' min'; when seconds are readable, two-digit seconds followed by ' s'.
11 h 50 min
